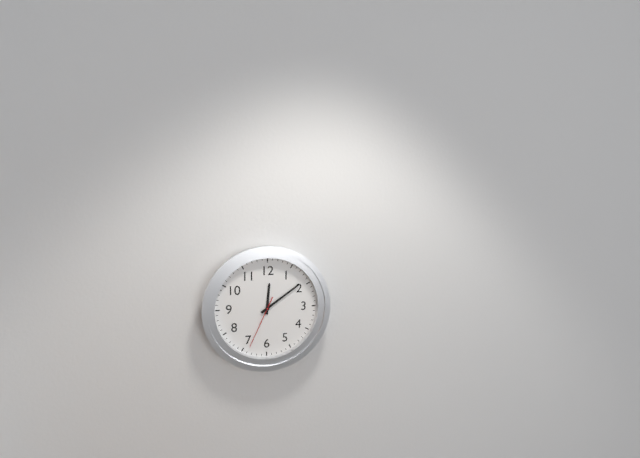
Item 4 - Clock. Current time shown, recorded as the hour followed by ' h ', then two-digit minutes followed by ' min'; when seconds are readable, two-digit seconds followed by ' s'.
12 h 09 min 34 s
